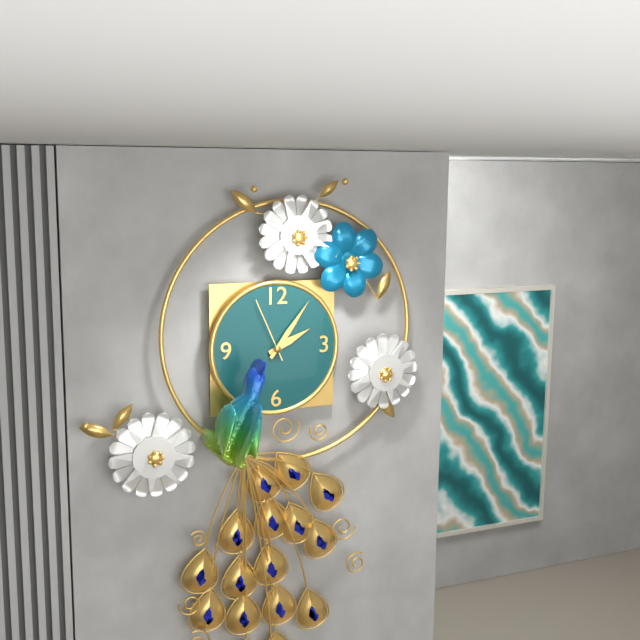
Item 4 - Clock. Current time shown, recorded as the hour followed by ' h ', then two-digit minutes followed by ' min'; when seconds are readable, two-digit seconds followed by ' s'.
2 h 06 min 56 s
